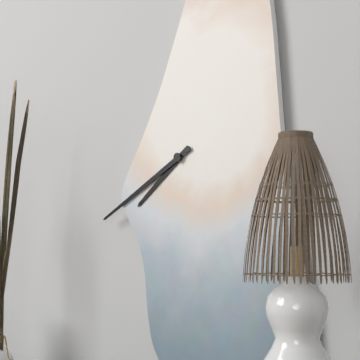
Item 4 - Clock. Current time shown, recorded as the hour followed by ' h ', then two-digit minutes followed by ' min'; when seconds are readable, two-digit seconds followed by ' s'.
7 h 40 min
